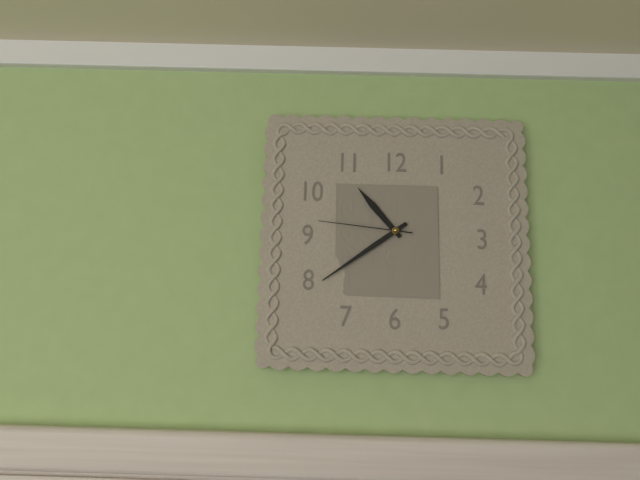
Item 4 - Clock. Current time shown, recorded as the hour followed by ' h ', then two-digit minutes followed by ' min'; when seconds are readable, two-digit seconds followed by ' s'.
10 h 39 min 46 s
